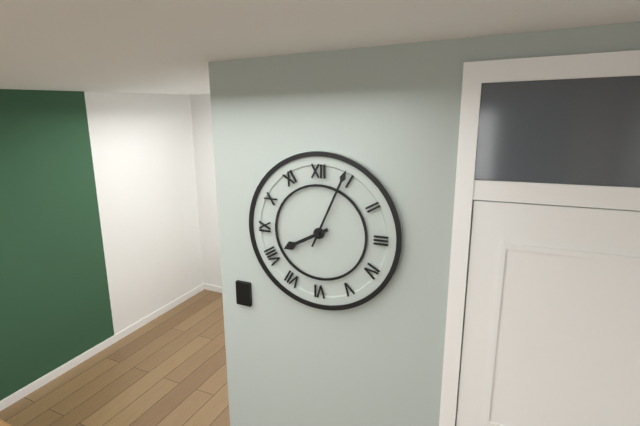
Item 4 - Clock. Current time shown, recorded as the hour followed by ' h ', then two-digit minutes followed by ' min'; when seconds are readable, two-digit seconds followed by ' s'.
8 h 04 min
